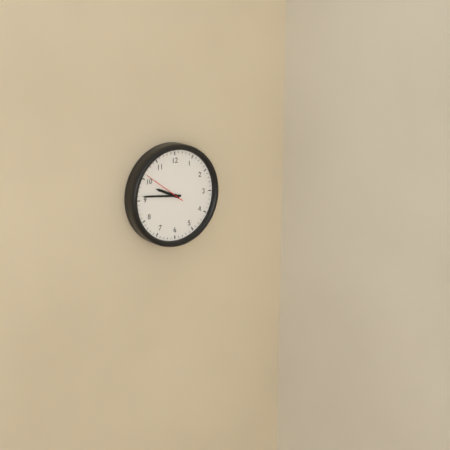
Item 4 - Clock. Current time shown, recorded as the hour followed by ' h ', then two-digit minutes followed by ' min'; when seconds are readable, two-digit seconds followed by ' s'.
9 h 46 min
